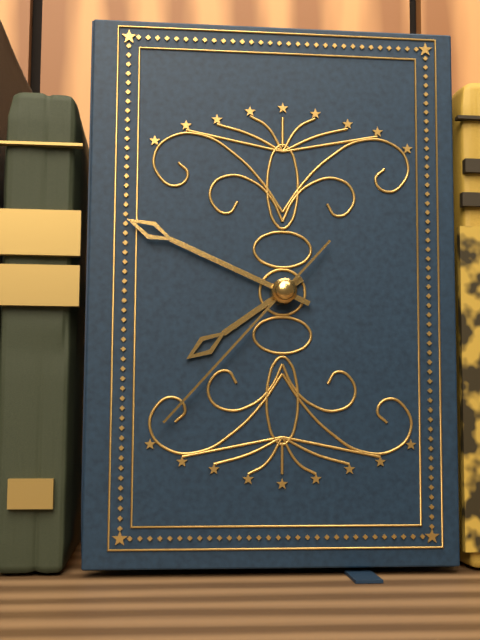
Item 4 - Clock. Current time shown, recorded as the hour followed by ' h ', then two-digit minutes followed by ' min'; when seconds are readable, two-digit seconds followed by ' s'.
7 h 49 min 37 s
